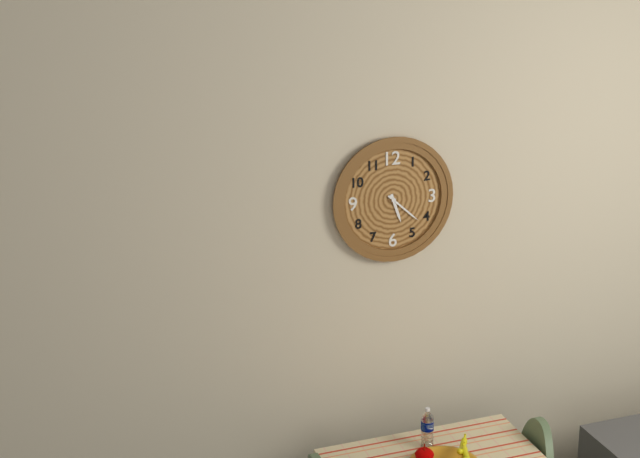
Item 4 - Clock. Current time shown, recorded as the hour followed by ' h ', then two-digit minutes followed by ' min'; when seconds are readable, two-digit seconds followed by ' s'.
5 h 22 min
